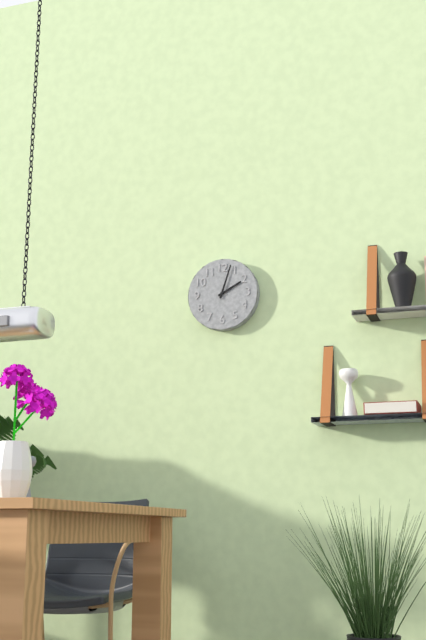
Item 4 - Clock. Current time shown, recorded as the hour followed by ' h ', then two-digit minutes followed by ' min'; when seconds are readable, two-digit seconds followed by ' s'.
2 h 03 min
